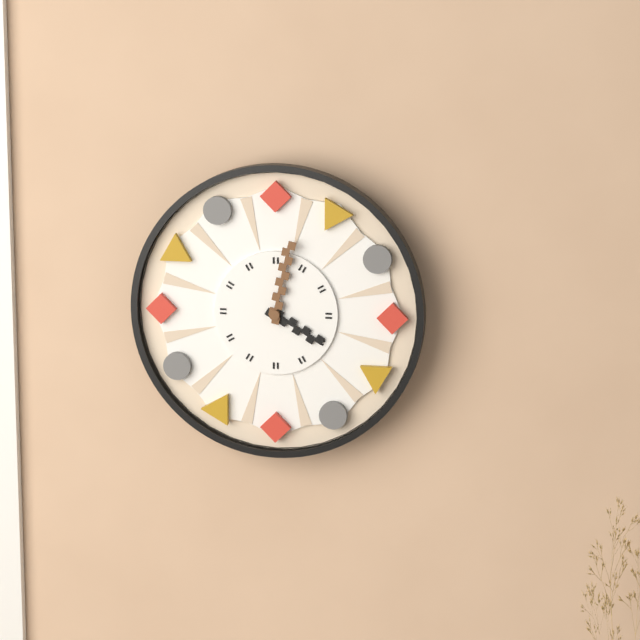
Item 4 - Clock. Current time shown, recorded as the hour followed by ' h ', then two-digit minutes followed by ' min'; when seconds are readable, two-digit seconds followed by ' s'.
4 h 02 min
